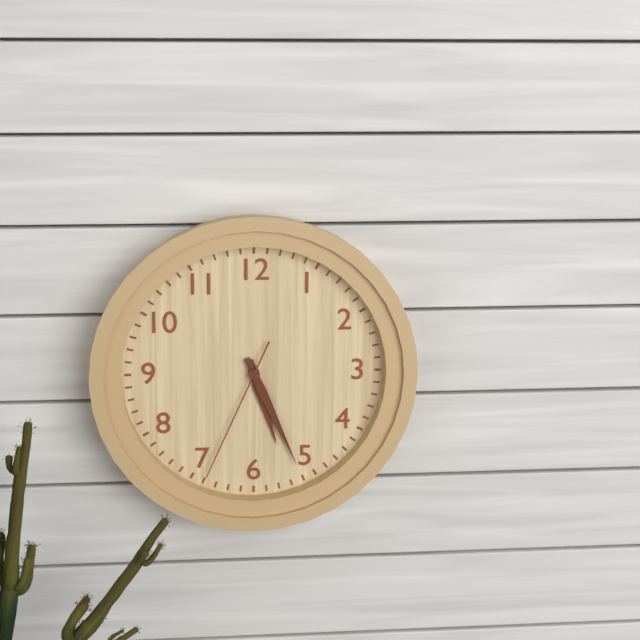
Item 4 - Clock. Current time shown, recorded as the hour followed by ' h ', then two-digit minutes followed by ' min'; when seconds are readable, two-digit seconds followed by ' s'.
5 h 26 min 34 s
